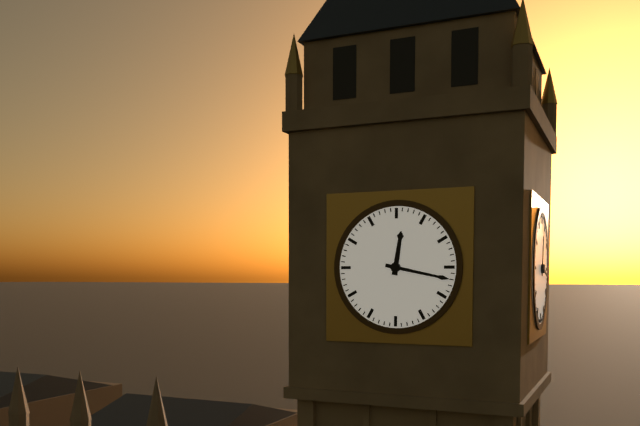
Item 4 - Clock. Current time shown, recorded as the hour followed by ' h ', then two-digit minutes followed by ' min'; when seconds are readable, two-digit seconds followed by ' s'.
12 h 17 min
